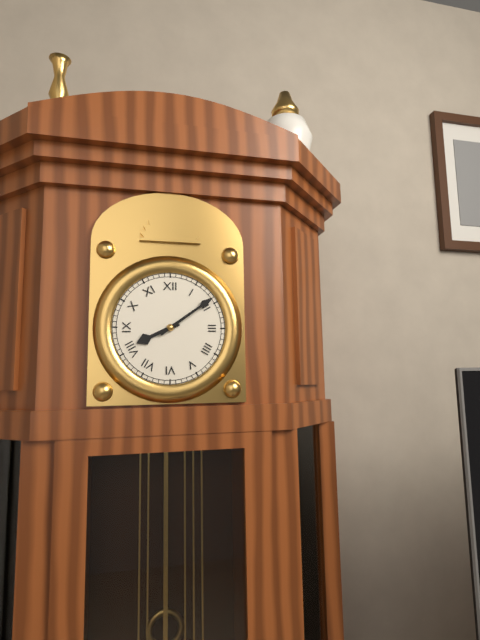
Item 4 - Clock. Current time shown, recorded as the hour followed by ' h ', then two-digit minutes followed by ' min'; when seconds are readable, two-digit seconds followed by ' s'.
8 h 09 min
